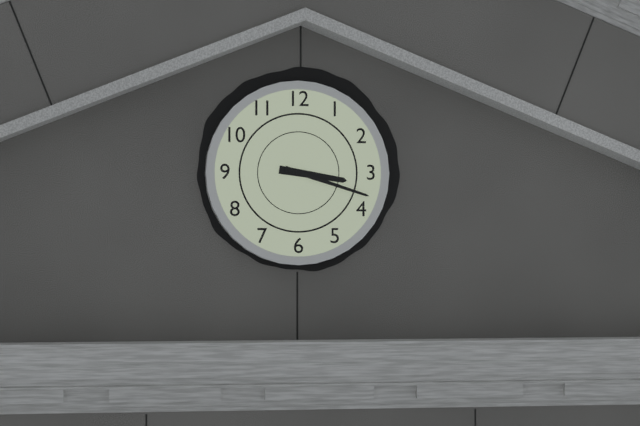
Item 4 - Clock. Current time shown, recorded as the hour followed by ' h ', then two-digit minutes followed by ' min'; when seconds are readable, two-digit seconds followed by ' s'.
3 h 18 min
